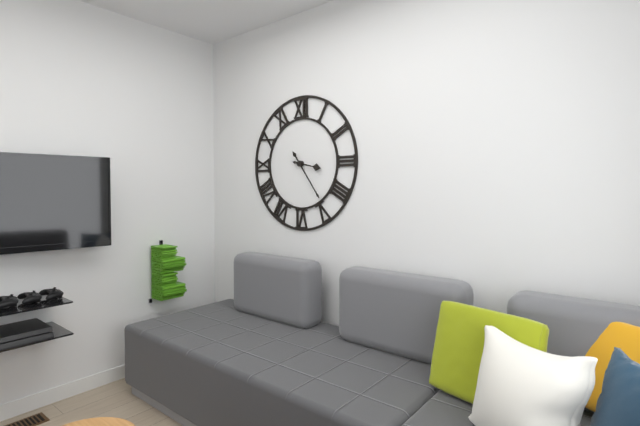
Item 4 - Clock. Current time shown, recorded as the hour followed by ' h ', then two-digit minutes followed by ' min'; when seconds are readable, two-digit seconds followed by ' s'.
3 h 24 min
